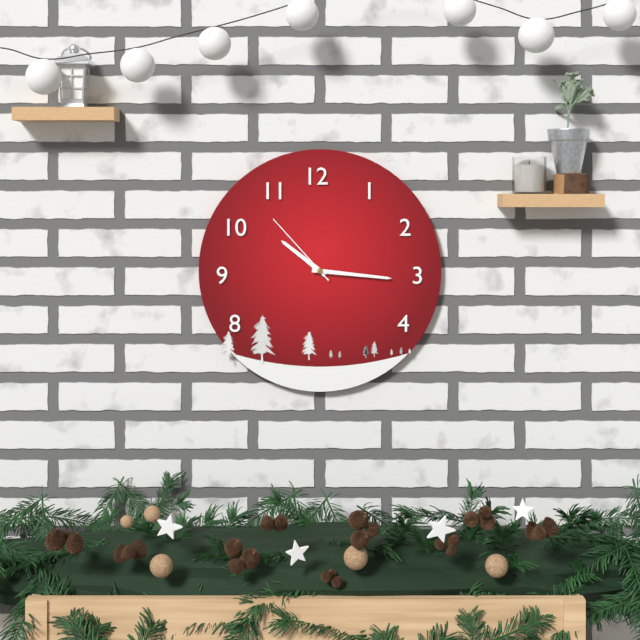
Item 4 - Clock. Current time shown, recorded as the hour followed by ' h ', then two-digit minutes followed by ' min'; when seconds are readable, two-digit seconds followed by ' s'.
10 h 16 min 53 s
